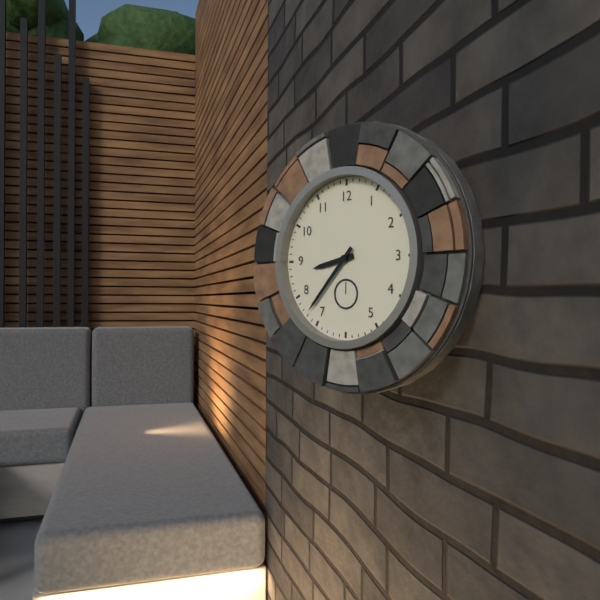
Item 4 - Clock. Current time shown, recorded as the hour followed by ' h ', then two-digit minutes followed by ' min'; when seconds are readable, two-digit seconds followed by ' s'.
8 h 37 min
